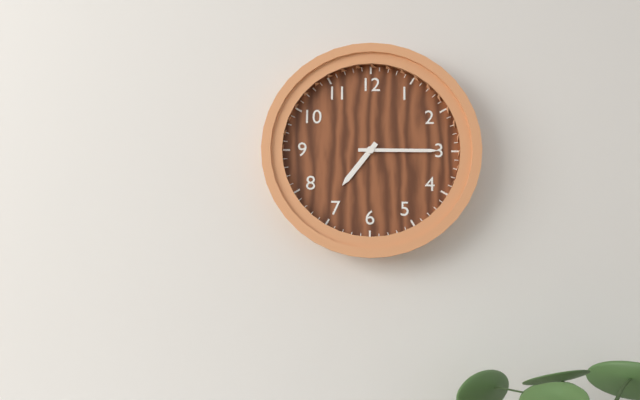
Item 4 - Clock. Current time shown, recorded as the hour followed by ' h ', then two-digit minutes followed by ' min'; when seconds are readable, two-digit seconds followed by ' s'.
7 h 15 min
